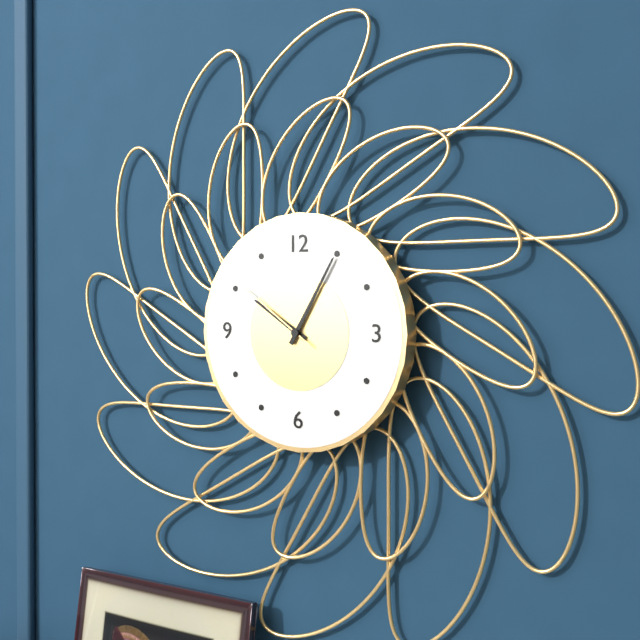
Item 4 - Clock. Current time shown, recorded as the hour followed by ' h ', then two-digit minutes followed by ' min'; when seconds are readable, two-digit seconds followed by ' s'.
10 h 05 min 51 s
